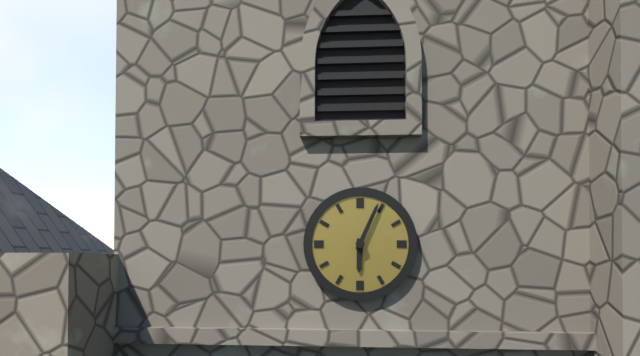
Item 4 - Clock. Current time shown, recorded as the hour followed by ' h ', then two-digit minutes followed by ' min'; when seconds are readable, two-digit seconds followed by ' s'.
6 h 04 min
